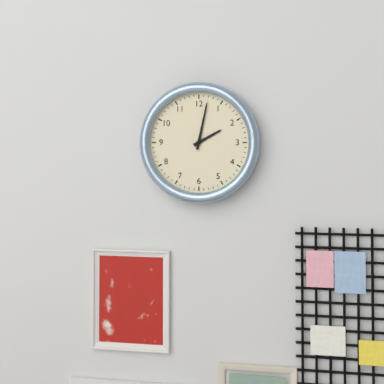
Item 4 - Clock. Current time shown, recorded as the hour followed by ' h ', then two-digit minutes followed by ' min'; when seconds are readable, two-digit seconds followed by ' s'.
2 h 02 min
